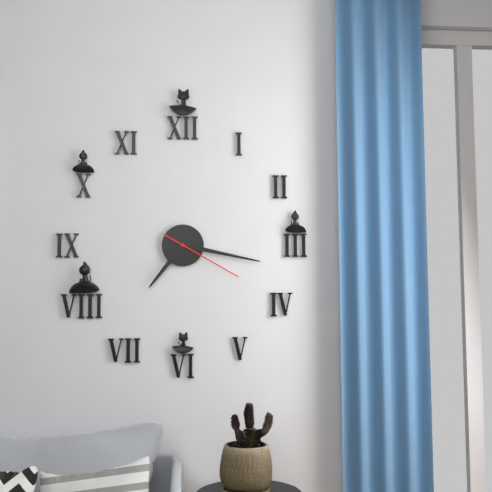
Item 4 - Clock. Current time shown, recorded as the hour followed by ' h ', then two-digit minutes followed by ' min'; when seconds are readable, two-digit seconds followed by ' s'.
7 h 17 min 20 s
